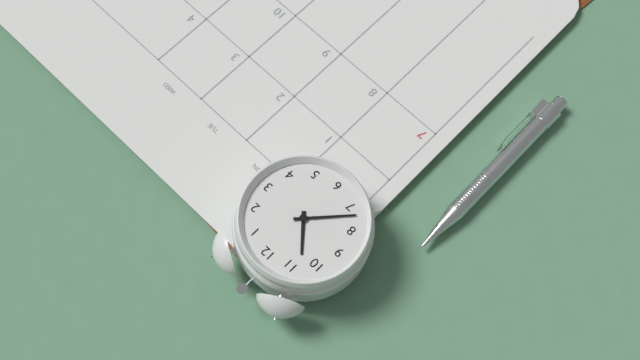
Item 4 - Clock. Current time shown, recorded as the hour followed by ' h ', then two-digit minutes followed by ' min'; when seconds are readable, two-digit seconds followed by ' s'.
10 h 37 min
